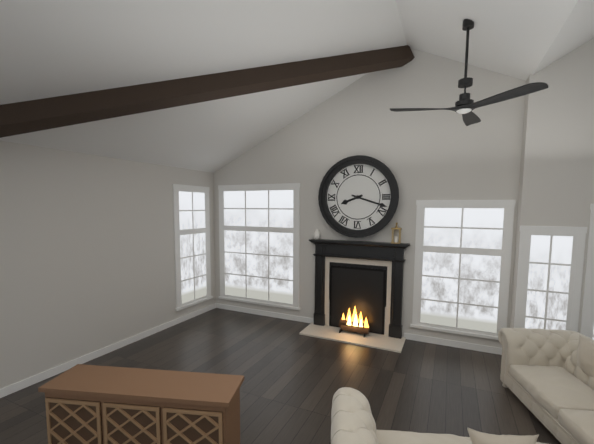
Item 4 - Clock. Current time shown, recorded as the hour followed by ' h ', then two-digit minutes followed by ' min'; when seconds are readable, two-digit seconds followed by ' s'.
8 h 18 min
